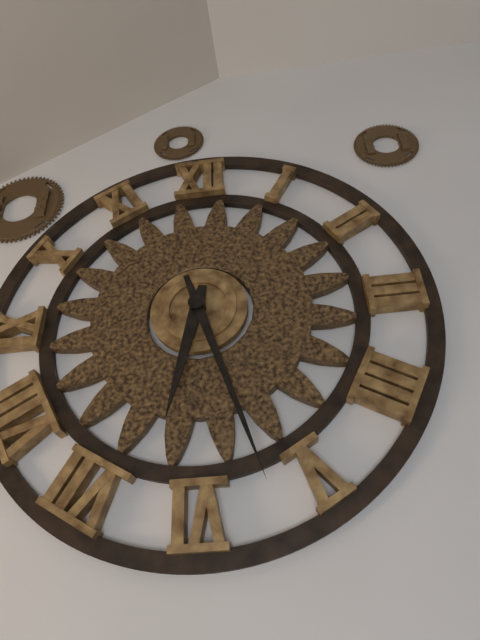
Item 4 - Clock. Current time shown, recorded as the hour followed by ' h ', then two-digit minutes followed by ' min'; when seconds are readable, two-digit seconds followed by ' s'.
6 h 27 min
